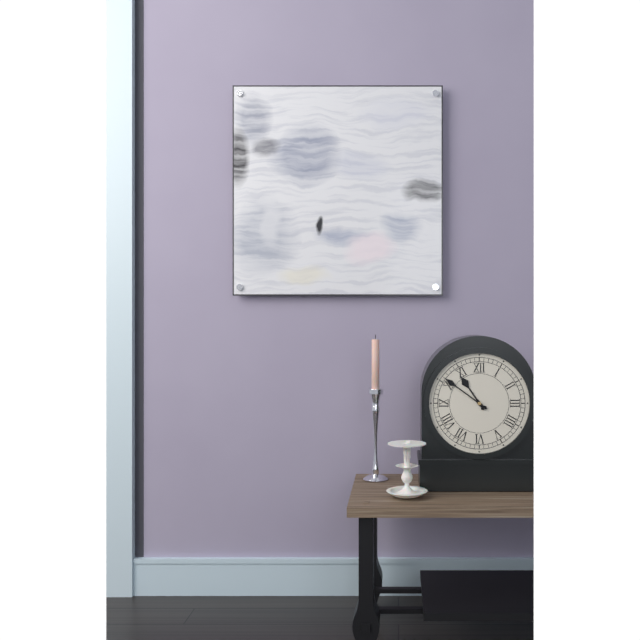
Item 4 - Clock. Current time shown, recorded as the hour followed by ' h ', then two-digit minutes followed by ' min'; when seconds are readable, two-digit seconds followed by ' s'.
10 h 51 min
